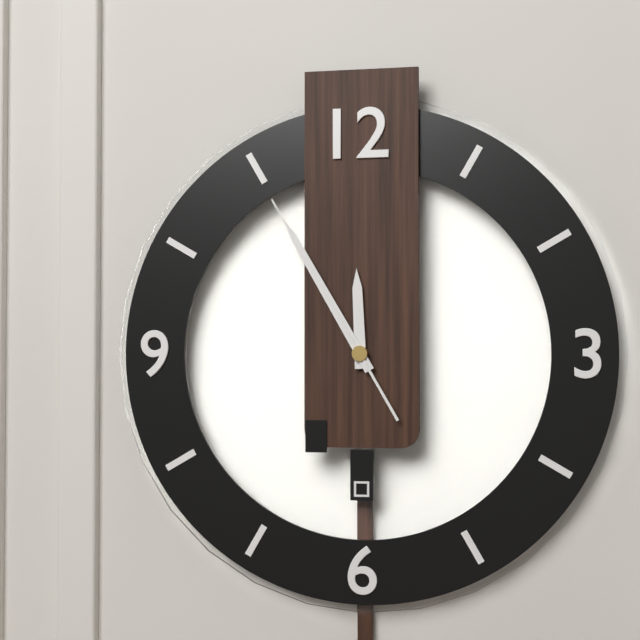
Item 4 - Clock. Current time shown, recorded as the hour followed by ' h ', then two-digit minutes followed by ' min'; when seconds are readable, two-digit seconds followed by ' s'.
11 h 55 min 55 s
